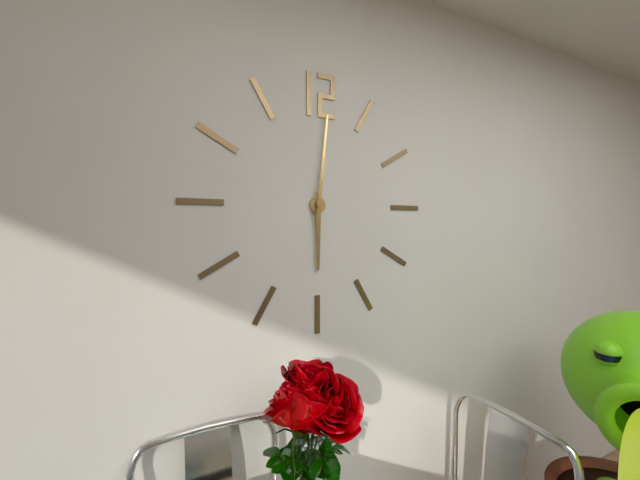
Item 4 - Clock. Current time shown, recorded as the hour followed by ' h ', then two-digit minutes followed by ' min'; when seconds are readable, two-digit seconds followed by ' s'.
6 h 01 min
